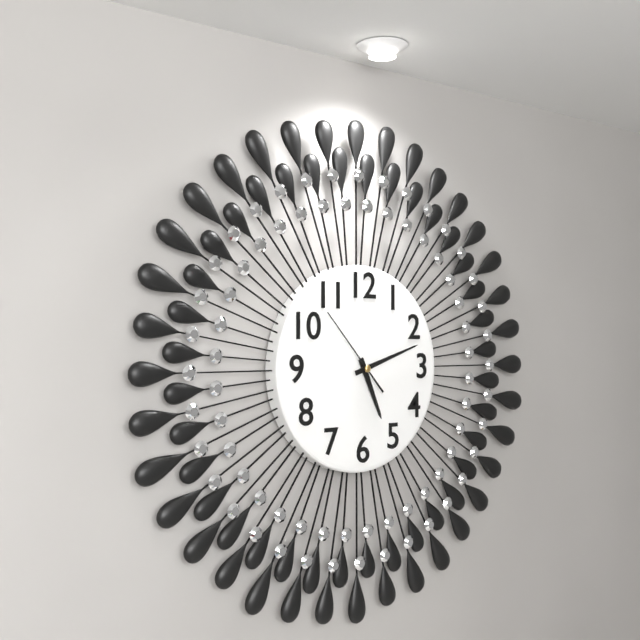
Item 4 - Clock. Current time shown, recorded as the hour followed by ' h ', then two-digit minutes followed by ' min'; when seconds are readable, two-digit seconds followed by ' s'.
5 h 12 min 53 s
